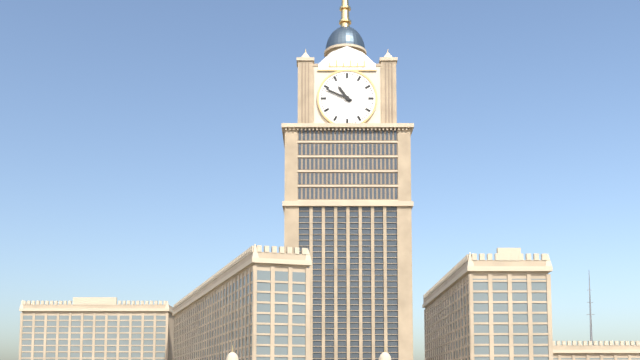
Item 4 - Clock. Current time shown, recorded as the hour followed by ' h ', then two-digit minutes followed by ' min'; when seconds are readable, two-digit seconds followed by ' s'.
10 h 49 min
